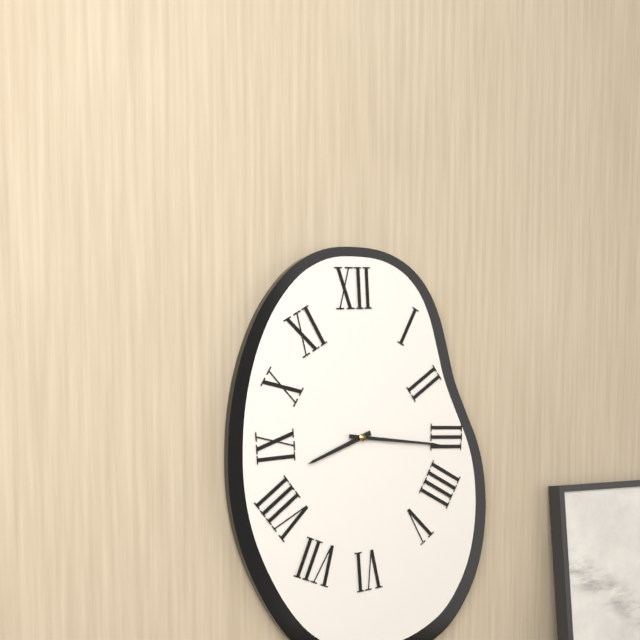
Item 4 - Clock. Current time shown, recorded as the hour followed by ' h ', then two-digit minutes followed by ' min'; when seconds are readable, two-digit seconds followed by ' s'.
8 h 16 min
